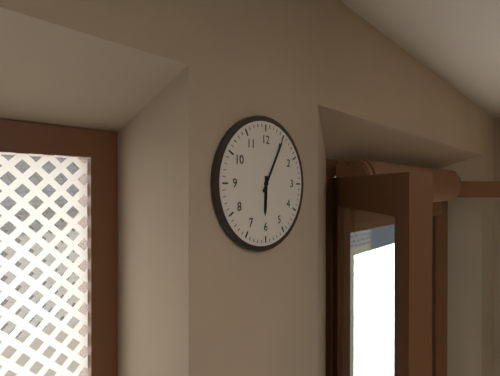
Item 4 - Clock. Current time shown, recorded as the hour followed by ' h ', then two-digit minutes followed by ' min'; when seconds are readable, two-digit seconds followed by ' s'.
6 h 05 min
